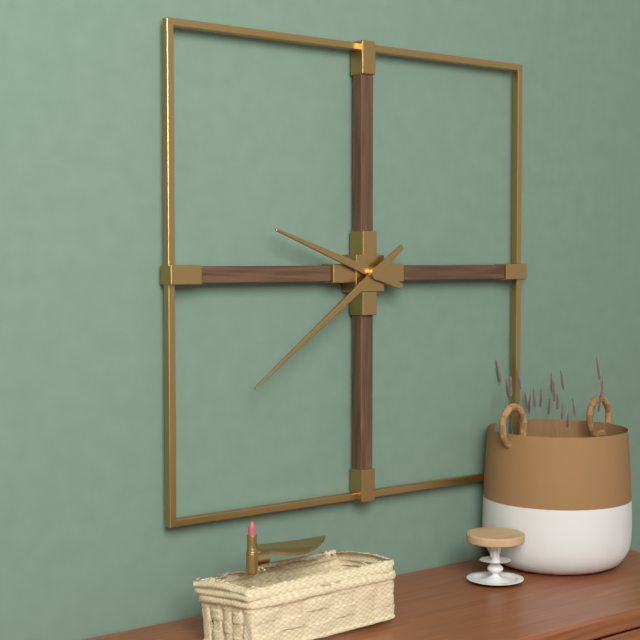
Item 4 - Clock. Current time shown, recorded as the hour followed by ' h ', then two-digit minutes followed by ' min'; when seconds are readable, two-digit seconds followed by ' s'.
9 h 39 min
